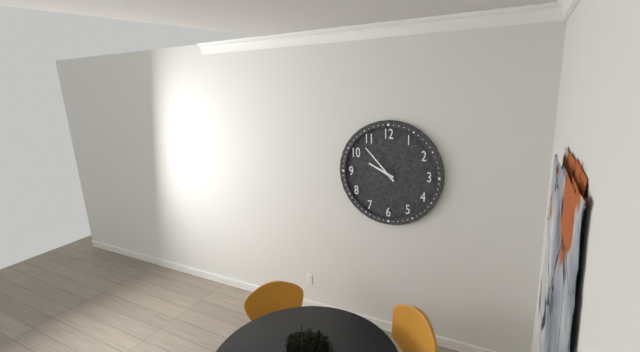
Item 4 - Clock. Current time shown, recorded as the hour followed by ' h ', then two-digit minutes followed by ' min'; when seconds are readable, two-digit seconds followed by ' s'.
9 h 53 min
